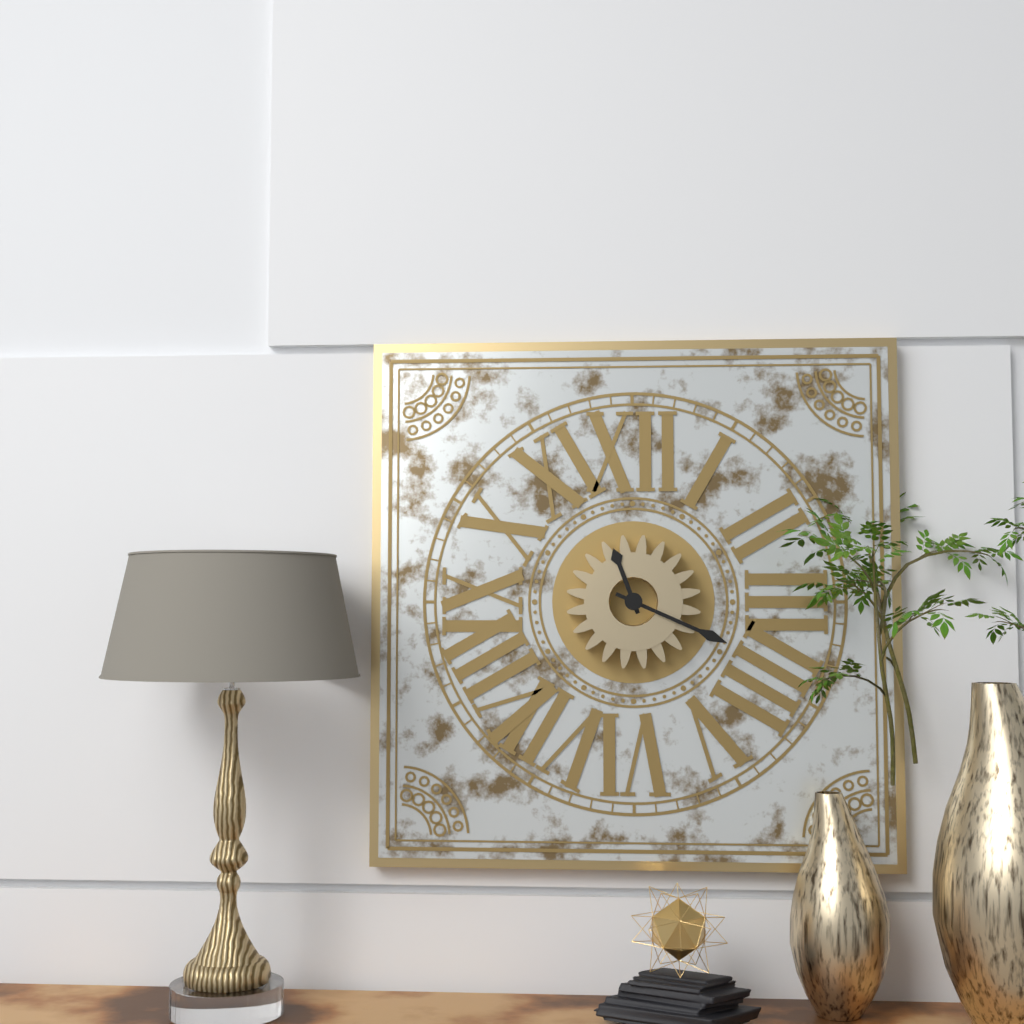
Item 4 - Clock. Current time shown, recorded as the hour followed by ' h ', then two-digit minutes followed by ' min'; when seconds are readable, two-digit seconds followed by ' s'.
11 h 19 min
